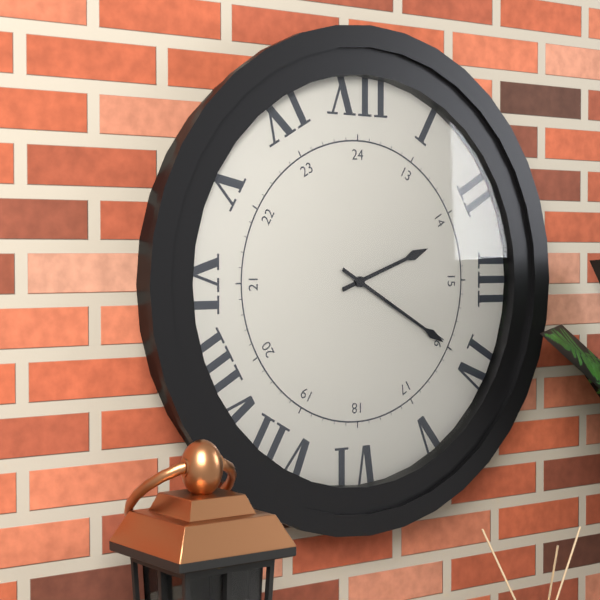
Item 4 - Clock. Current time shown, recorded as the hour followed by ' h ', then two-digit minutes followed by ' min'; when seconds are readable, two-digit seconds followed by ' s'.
2 h 20 min
